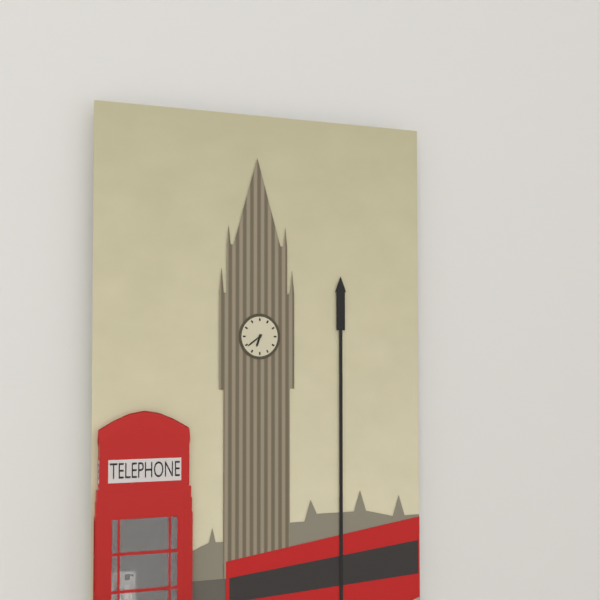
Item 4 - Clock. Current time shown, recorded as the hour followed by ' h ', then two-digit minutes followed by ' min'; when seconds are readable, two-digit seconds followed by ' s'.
6 h 39 min
